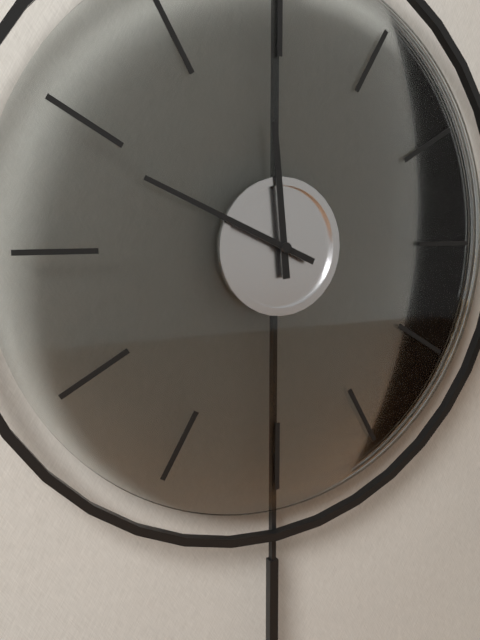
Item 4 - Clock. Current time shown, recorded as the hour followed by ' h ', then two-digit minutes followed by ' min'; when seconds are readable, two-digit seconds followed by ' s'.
11 h 49 min
